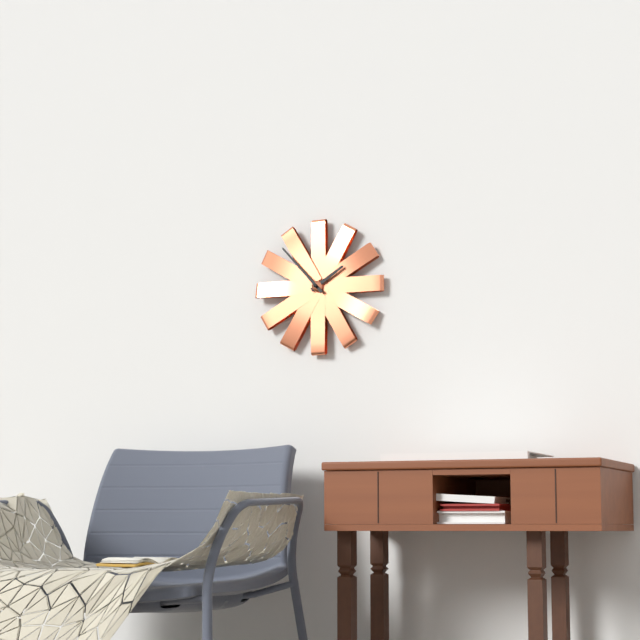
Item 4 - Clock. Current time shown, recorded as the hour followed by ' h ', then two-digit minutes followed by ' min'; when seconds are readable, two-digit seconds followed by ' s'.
1 h 53 min
